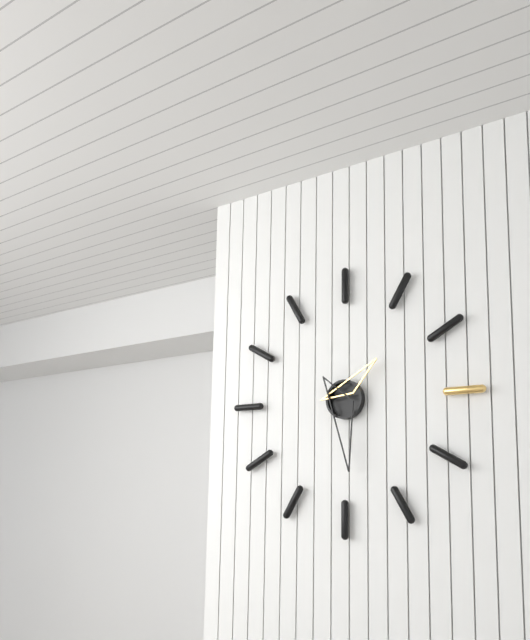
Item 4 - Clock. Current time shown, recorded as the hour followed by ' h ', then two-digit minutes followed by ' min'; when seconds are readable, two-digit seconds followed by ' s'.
1 h 29 min
